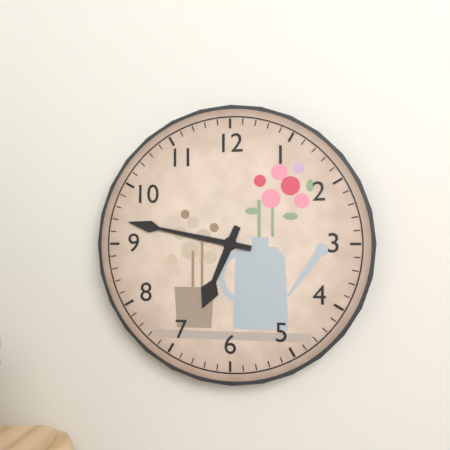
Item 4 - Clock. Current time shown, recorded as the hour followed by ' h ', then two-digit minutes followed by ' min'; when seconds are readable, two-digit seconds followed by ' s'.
6 h 47 min
